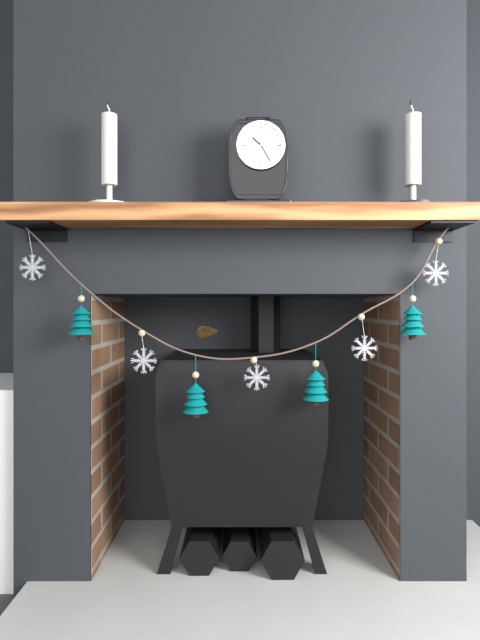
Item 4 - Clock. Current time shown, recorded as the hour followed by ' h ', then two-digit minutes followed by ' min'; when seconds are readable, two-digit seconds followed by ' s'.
10 h 25 min
